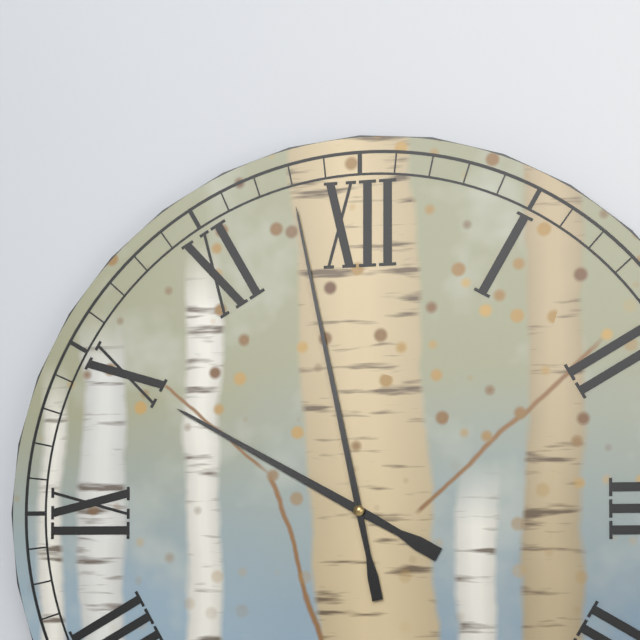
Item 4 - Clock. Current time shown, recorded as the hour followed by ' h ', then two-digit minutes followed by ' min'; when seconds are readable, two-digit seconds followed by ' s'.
9 h 58 min
